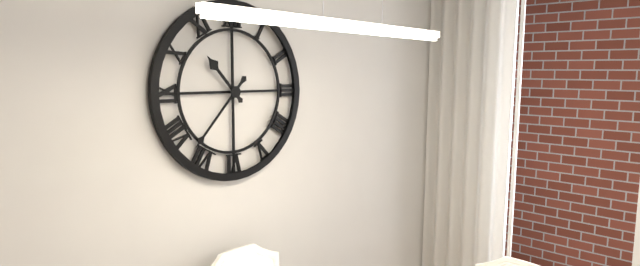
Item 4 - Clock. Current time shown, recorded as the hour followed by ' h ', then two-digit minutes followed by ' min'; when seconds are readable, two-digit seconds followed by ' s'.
10 h 37 min
